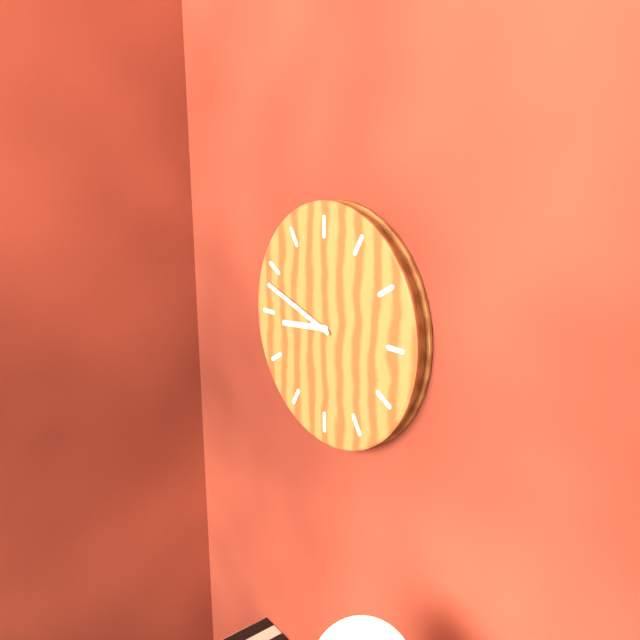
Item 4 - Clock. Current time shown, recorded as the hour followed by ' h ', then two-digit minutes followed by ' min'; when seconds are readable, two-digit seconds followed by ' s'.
8 h 48 min
